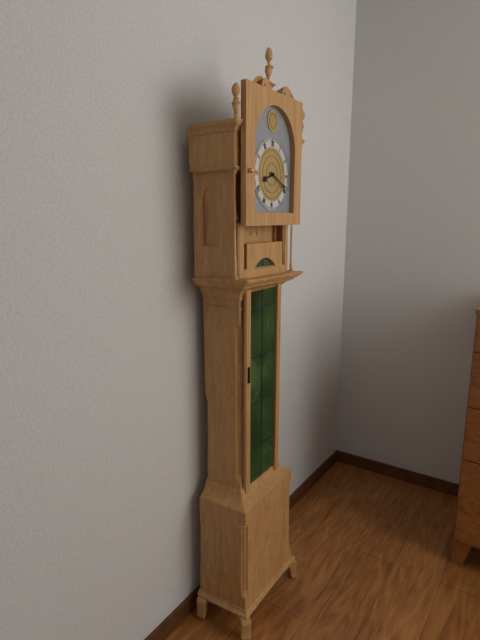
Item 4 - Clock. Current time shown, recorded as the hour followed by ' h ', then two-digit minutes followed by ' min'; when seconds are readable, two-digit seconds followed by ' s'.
8 h 19 min
